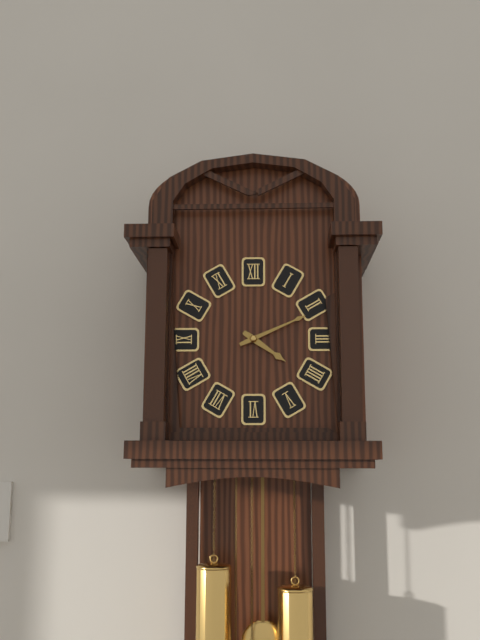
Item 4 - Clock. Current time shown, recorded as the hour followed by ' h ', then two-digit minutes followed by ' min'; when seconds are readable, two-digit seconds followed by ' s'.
4 h 11 min
